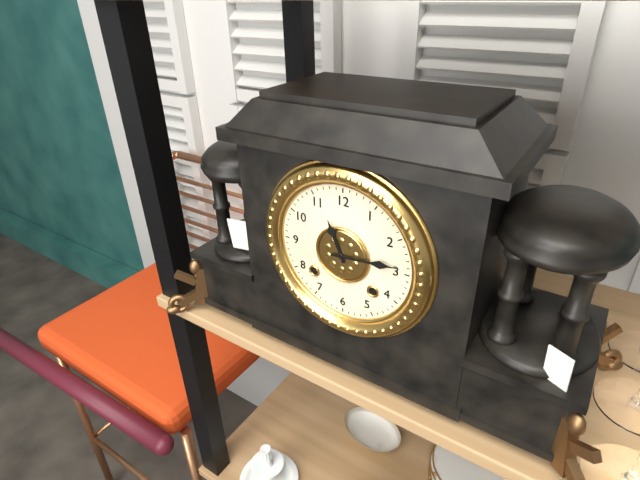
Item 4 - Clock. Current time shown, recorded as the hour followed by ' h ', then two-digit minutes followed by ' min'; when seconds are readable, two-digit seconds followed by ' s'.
11 h 14 min
